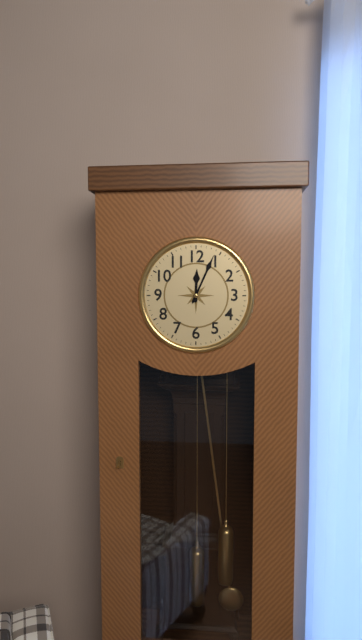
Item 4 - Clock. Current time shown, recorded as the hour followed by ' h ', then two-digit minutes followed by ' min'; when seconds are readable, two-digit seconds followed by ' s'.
12 h 04 min
